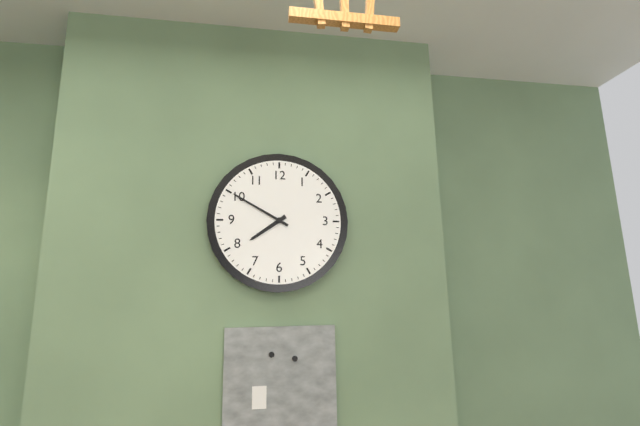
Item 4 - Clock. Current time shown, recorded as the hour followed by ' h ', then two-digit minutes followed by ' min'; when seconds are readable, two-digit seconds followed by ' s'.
7 h 50 min
